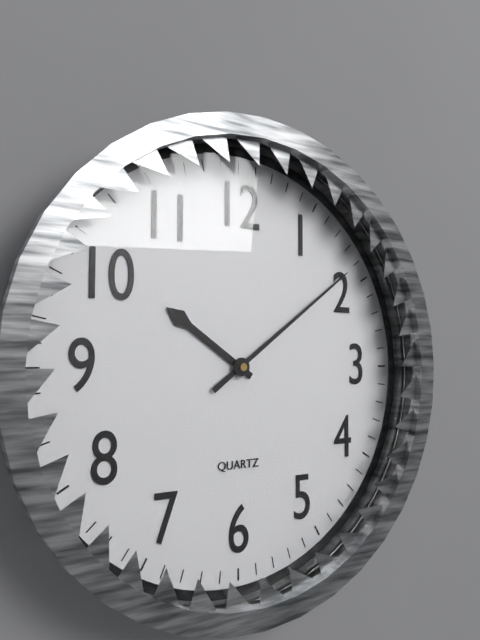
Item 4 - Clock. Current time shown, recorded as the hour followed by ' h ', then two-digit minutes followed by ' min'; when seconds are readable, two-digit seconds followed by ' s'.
10 h 09 min
